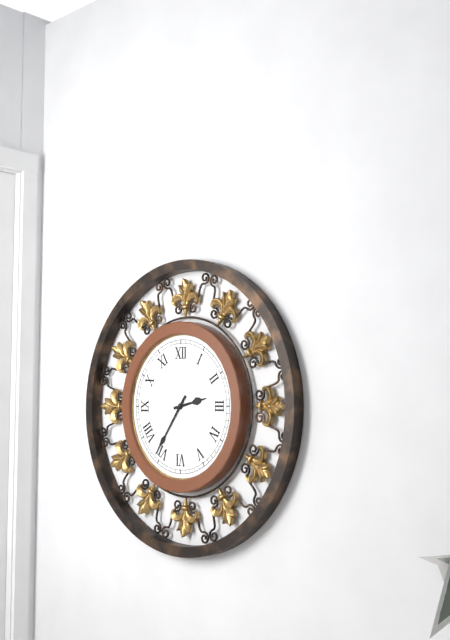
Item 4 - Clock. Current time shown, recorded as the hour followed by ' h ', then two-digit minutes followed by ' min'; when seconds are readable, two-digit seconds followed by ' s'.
2 h 36 min
